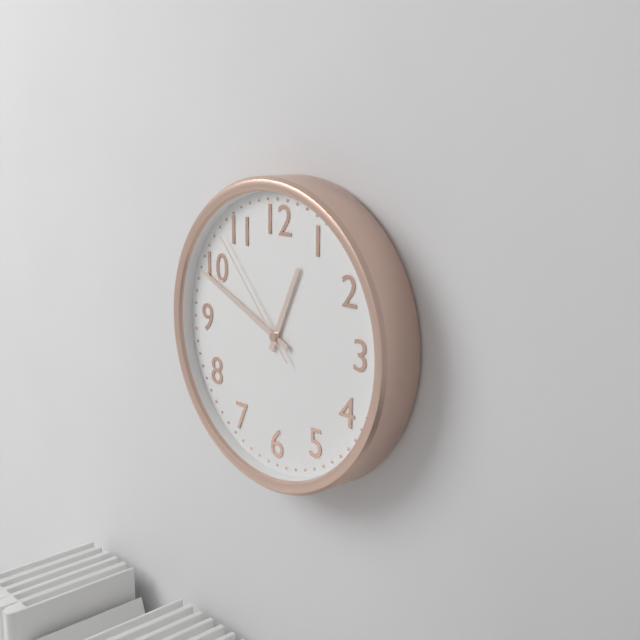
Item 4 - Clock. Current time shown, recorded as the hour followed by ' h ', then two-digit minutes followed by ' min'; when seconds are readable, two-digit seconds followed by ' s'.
12 h 49 min 53 s
